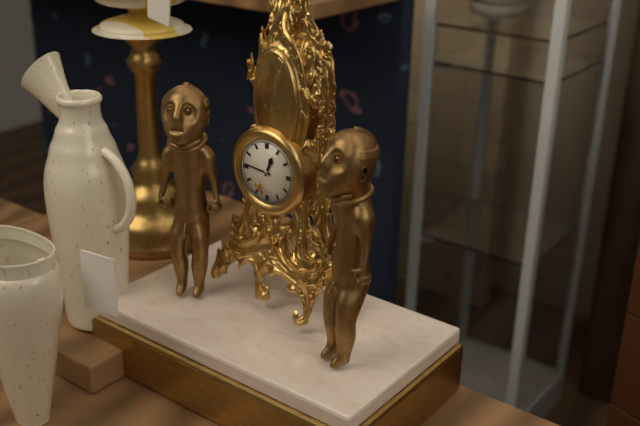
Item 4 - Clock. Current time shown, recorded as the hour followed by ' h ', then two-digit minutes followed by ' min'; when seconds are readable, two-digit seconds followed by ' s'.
12 h 46 min
